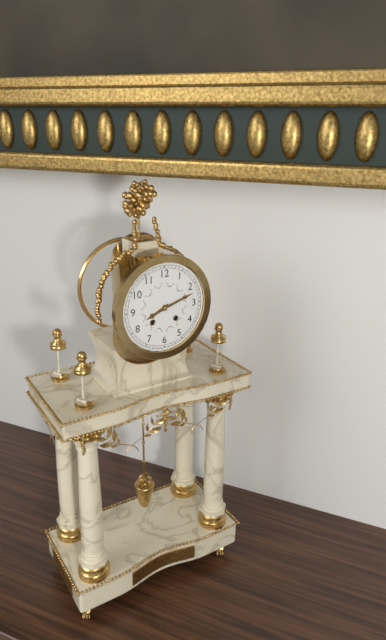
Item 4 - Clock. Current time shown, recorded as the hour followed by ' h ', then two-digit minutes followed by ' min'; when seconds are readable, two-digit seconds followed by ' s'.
8 h 12 min
